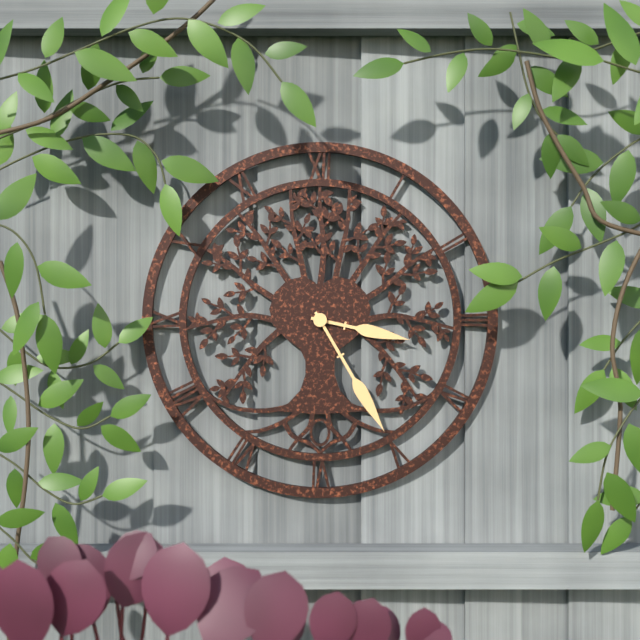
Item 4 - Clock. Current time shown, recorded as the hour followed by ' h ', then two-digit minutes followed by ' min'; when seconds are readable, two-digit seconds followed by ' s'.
3 h 25 min
